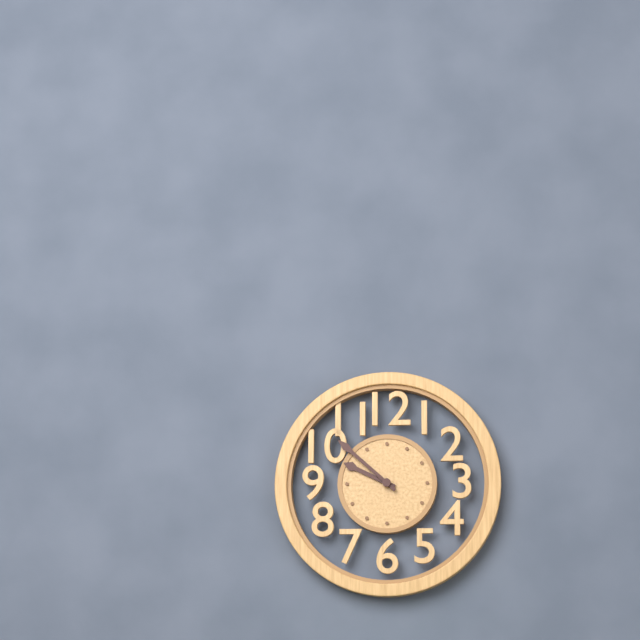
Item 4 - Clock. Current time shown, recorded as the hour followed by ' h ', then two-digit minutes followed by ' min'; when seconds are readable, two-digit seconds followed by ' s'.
9 h 52 min
